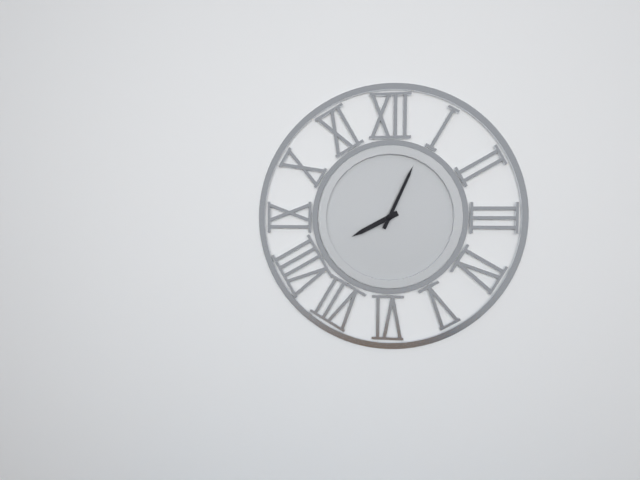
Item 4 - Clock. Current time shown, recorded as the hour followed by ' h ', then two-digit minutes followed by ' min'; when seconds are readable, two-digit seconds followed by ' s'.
8 h 04 min
